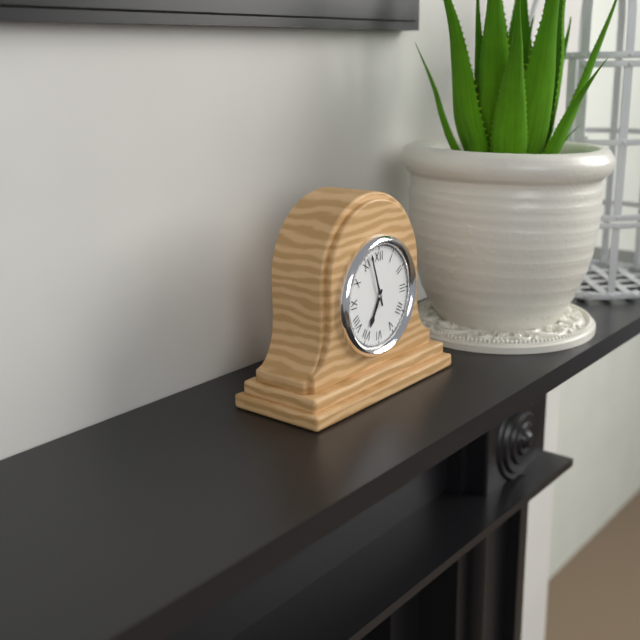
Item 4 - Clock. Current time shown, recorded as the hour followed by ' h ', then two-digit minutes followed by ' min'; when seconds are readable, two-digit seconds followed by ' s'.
6 h 57 min
